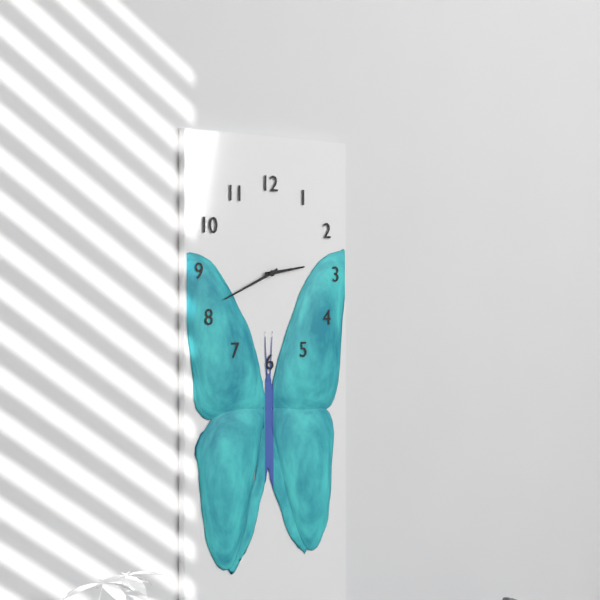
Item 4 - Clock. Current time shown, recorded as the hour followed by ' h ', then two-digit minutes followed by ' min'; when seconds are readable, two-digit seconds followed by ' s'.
2 h 41 min
